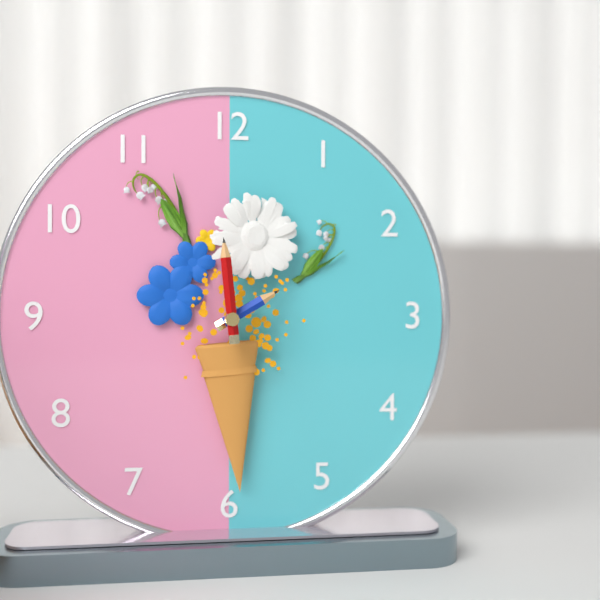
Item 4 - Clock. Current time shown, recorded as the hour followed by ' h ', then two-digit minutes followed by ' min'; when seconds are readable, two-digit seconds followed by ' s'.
1 h 59 min
